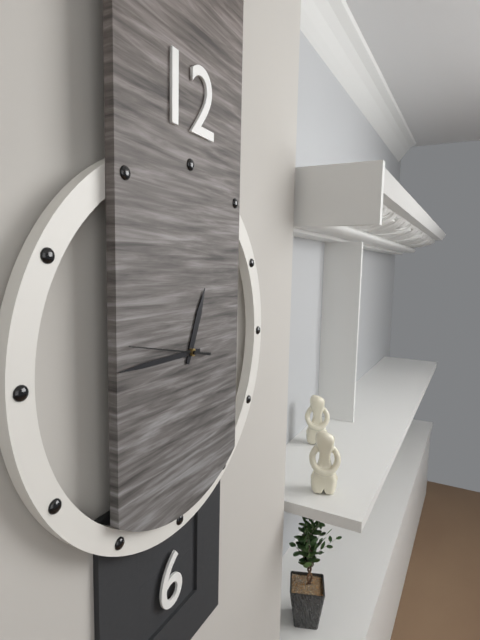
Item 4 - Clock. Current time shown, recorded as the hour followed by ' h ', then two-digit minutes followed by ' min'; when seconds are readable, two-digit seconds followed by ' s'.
12 h 45 min 47 s
